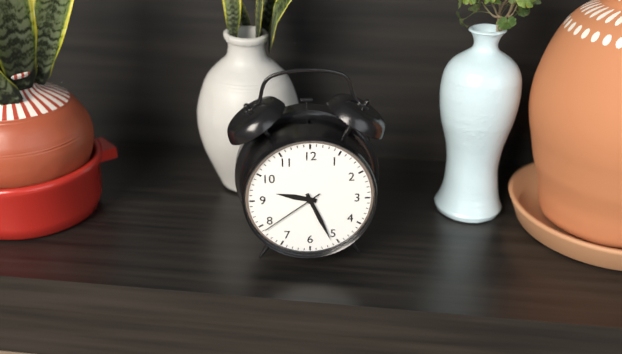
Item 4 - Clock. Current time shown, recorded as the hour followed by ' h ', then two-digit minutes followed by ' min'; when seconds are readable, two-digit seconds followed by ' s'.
9 h 26 min 39 s
